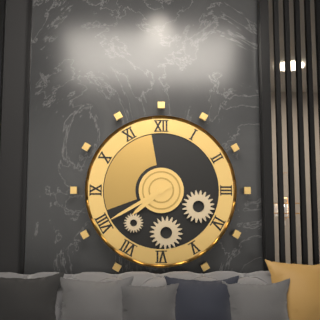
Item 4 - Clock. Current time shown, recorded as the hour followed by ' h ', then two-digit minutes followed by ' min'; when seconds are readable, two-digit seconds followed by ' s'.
7 h 40 min
